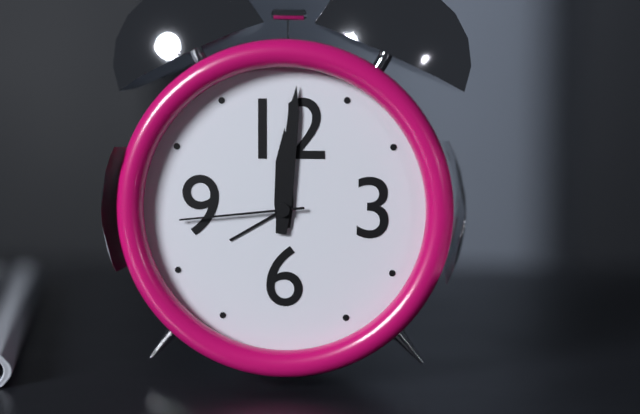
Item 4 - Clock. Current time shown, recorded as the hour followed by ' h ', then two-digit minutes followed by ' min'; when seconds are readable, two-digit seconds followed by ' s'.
12 h 01 min 44 s
